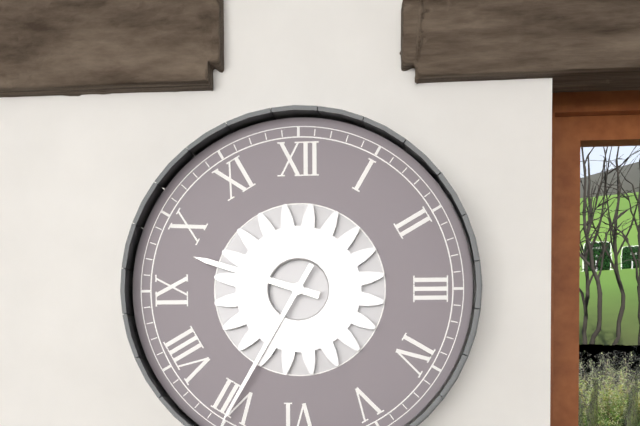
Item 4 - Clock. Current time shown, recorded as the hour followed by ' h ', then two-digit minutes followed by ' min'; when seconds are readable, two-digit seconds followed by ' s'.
9 h 35 min
